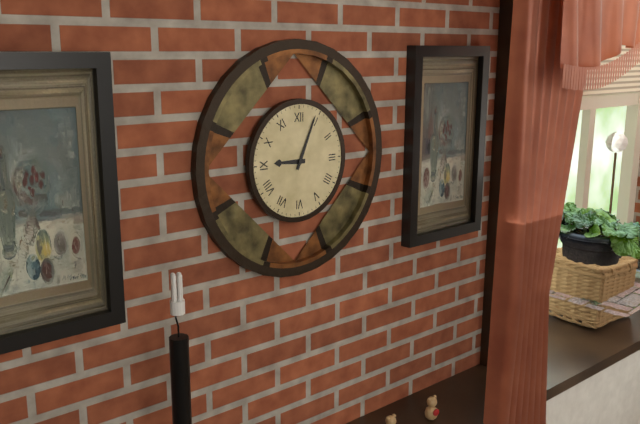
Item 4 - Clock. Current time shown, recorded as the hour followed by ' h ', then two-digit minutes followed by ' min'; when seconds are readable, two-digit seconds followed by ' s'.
9 h 04 min
